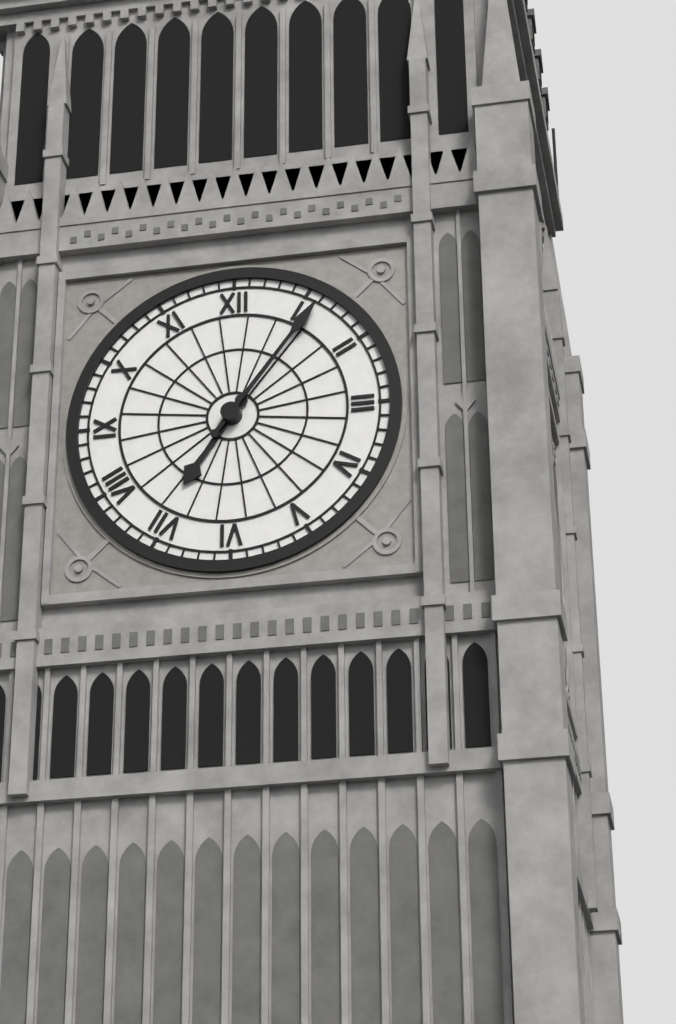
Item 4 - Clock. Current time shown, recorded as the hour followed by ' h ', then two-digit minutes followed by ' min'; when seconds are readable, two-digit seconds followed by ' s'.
7 h 06 min
